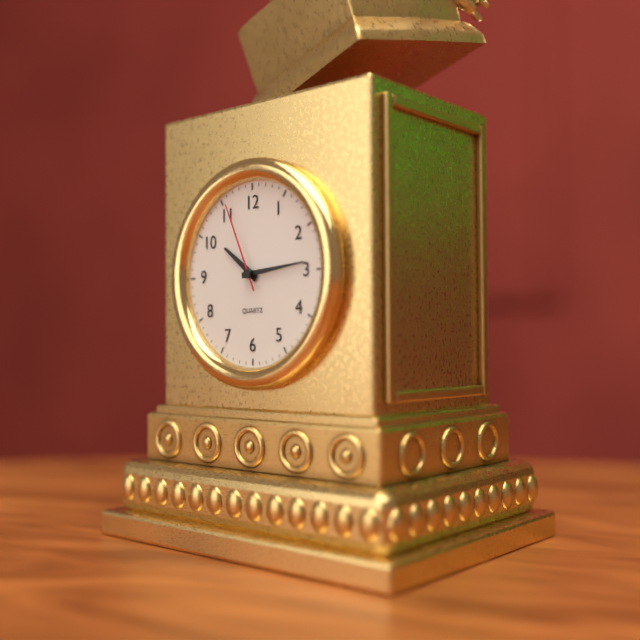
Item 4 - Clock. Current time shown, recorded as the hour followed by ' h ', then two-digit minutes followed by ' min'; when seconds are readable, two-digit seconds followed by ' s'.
10 h 14 min 56 s
